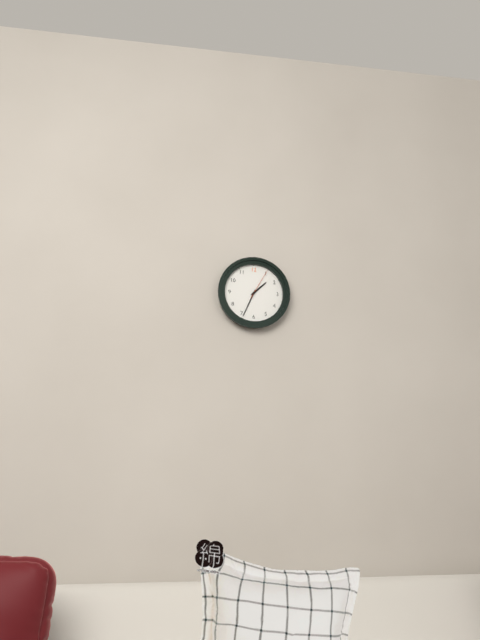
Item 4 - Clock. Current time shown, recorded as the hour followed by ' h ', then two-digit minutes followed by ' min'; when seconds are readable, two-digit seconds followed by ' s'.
1 h 34 min
